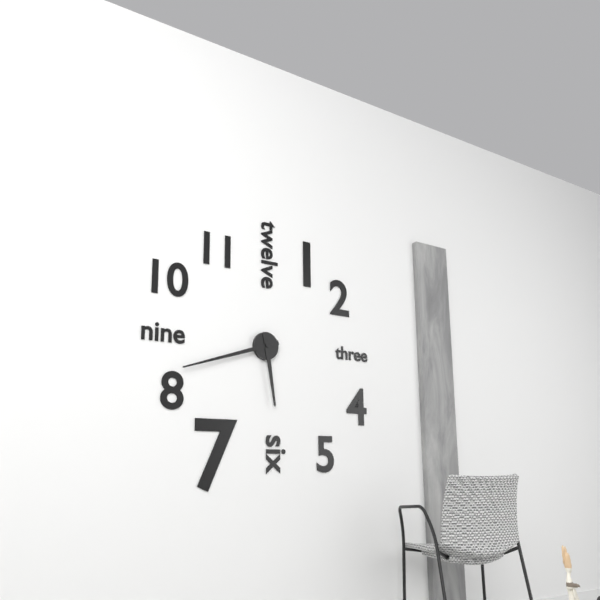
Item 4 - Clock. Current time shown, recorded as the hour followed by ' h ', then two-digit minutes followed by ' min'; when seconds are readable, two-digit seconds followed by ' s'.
5 h 42 min
